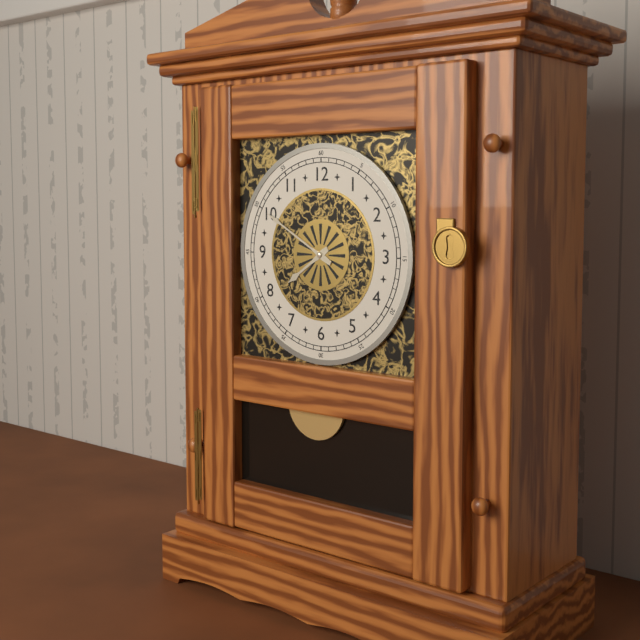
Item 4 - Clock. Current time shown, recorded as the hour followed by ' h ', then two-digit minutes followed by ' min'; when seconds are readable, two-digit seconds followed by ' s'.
7 h 50 min
